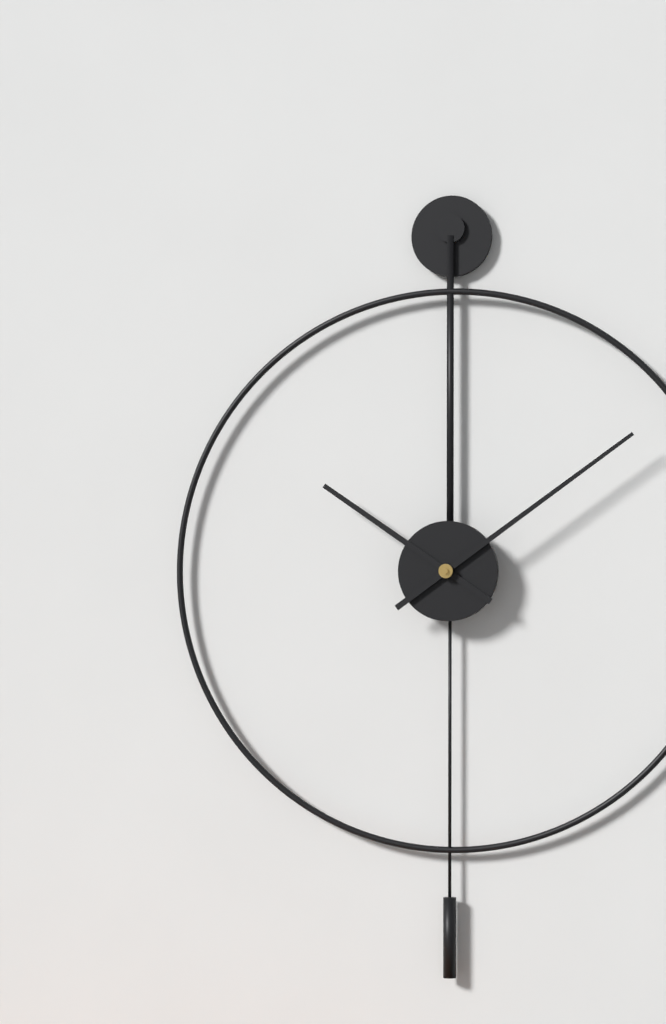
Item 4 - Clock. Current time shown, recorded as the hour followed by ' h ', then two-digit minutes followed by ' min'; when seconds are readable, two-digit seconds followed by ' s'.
10 h 09 min
